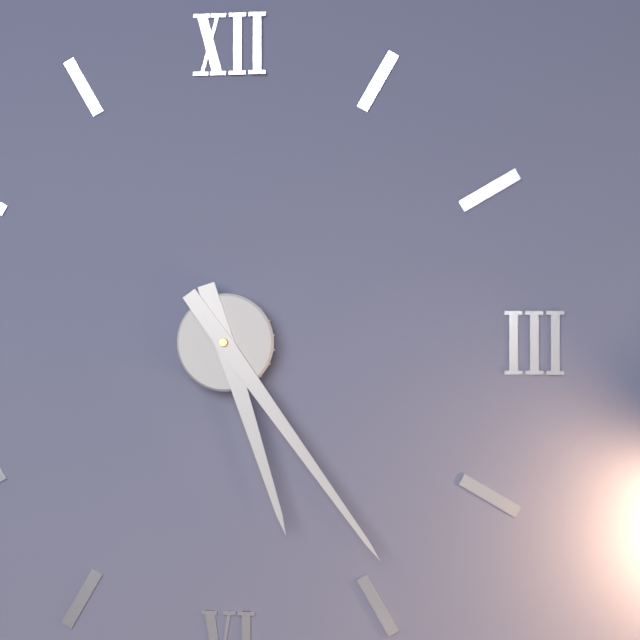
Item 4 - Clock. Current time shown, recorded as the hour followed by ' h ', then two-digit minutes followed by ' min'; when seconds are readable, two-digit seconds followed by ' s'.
5 h 24 min
